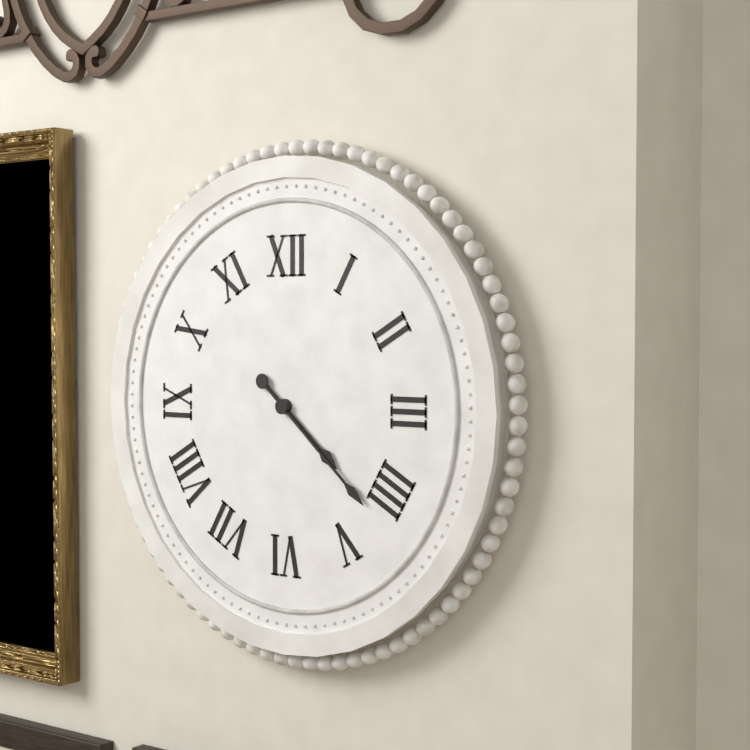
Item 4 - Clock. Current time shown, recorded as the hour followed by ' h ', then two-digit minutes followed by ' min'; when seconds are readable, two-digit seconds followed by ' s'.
4 h 22 min
